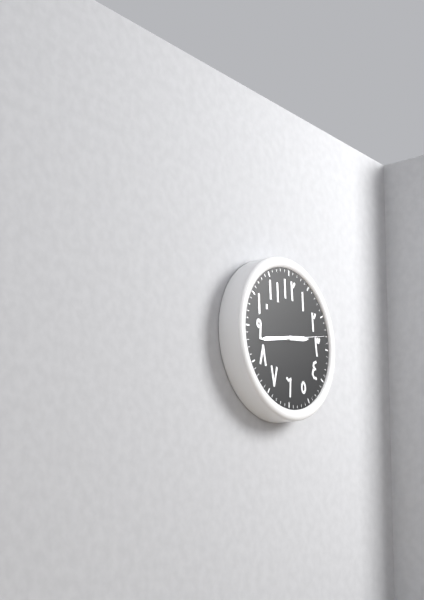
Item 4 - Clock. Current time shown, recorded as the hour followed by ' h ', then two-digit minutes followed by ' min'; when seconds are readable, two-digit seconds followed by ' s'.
2 h 43 min
